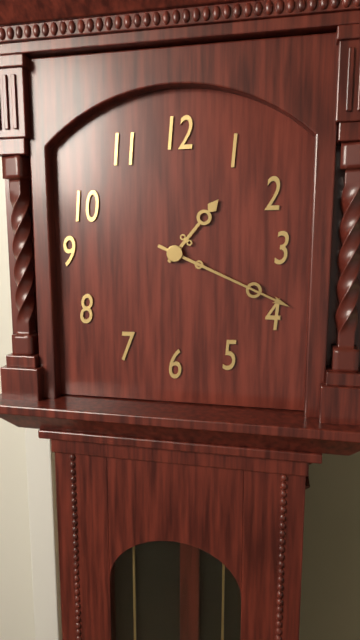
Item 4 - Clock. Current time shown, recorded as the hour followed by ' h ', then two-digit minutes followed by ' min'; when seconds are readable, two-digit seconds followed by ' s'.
1 h 19 min
